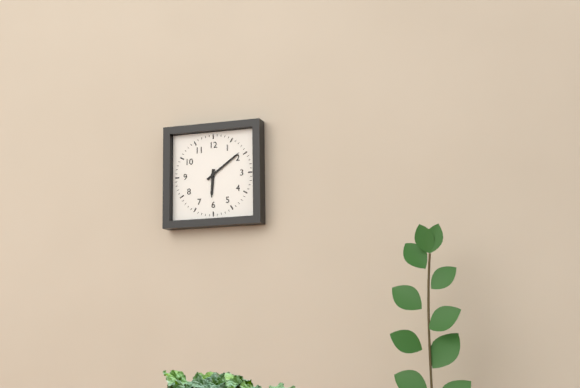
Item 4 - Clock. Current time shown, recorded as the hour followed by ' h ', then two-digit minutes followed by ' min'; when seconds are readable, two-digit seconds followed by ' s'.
6 h 09 min
